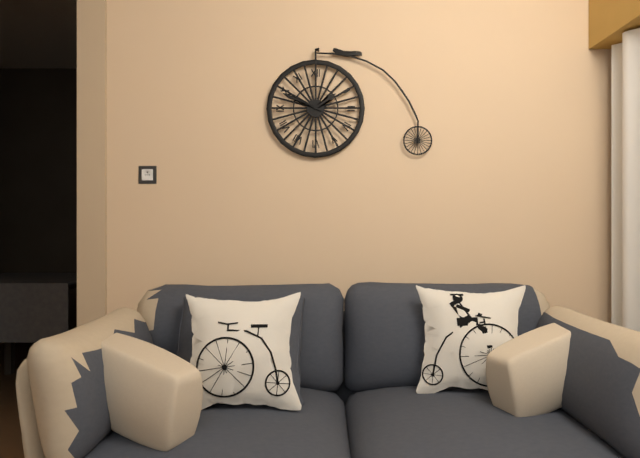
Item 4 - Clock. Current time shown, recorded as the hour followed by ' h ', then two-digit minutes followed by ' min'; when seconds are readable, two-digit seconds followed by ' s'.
1 h 49 min
